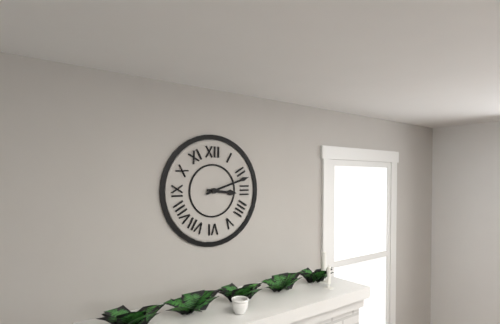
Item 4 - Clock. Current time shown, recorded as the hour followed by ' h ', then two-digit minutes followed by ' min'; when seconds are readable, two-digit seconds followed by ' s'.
3 h 12 min
